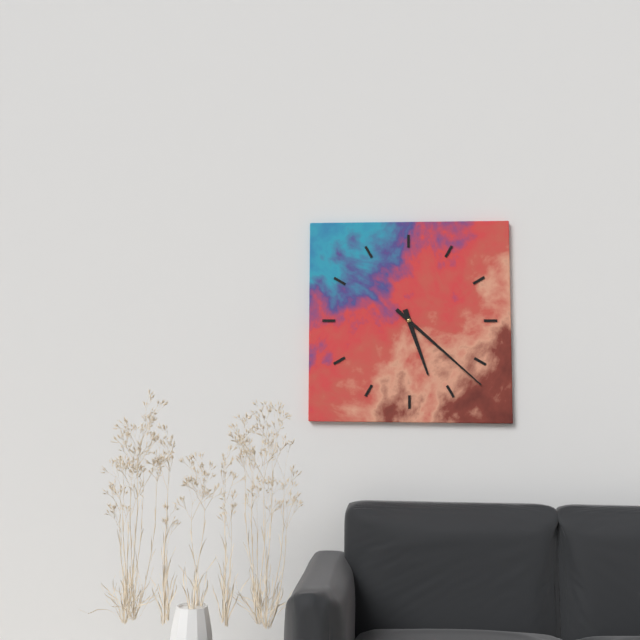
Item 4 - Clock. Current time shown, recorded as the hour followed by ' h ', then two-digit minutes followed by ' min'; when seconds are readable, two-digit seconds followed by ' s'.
5 h 22 min
